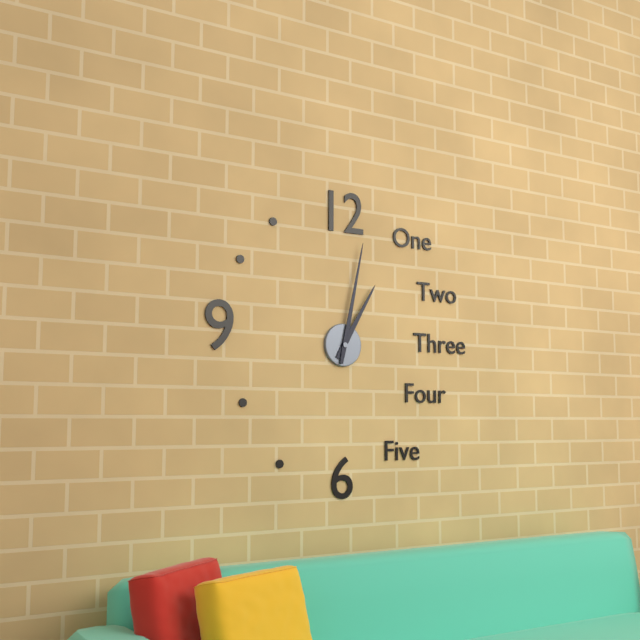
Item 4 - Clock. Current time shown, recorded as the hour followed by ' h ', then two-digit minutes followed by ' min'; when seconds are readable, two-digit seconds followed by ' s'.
1 h 02 min
